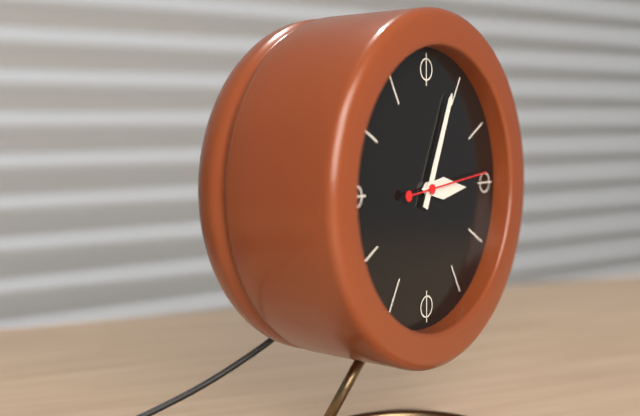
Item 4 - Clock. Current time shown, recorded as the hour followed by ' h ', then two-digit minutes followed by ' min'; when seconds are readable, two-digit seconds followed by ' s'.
3 h 04 min 14 s
